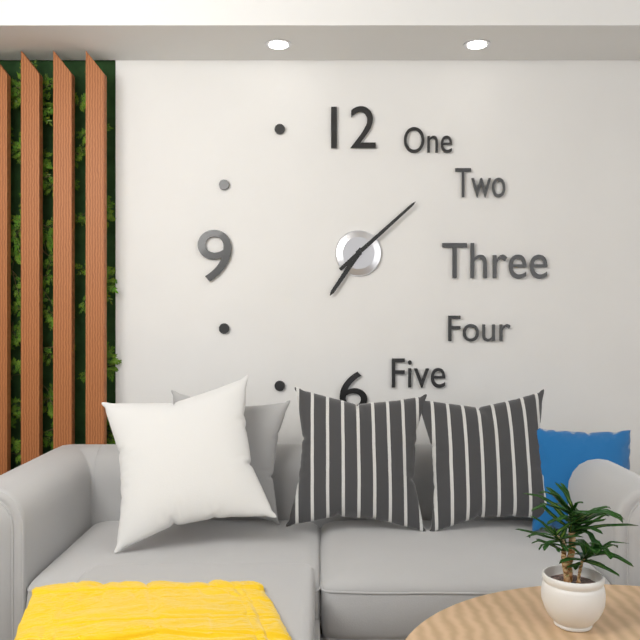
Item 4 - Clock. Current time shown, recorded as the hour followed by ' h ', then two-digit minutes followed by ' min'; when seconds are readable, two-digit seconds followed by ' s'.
7 h 08 min
